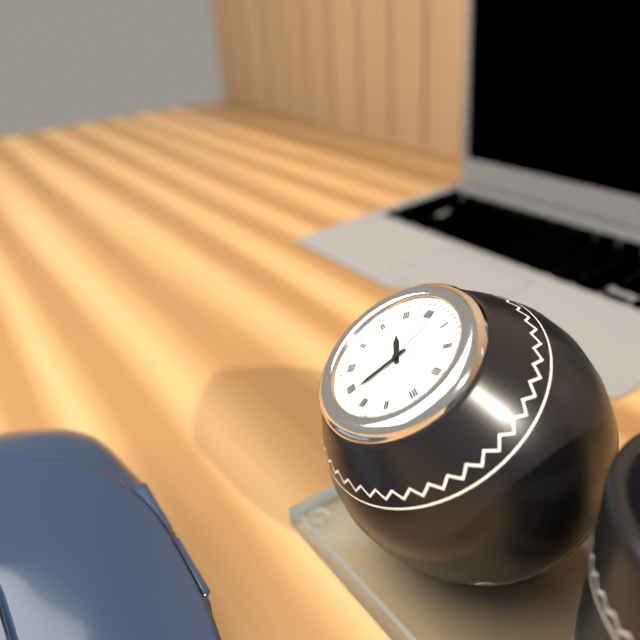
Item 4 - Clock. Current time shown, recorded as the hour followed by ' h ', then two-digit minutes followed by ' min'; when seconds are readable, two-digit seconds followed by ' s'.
10 h 34 min 02 s
